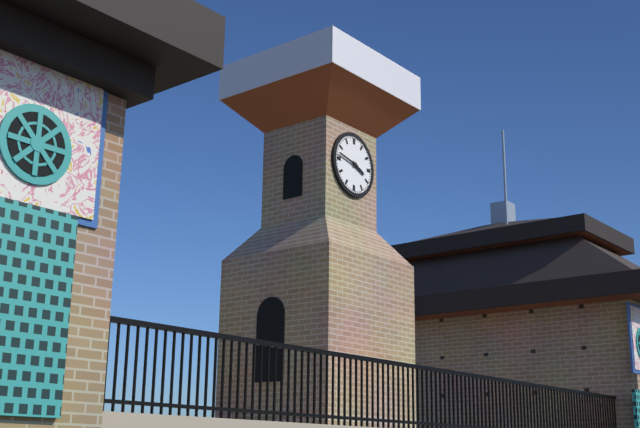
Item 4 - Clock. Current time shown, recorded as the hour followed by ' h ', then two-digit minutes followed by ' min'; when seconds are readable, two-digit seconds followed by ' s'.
3 h 47 min
